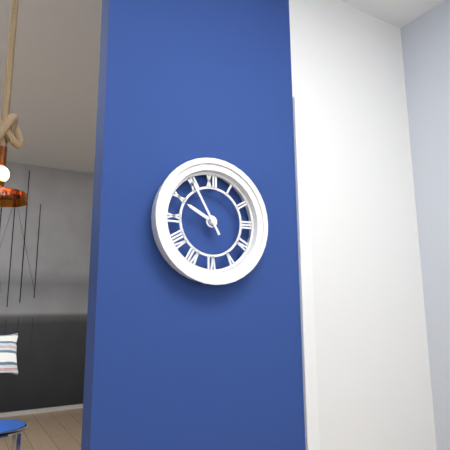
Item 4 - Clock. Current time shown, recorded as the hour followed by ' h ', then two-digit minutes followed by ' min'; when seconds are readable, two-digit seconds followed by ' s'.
9 h 55 min
